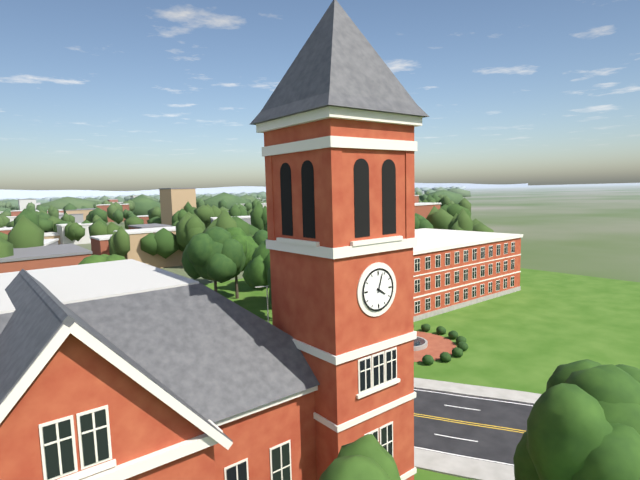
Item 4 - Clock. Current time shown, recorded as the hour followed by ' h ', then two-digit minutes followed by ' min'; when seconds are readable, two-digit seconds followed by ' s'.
4 h 03 min
